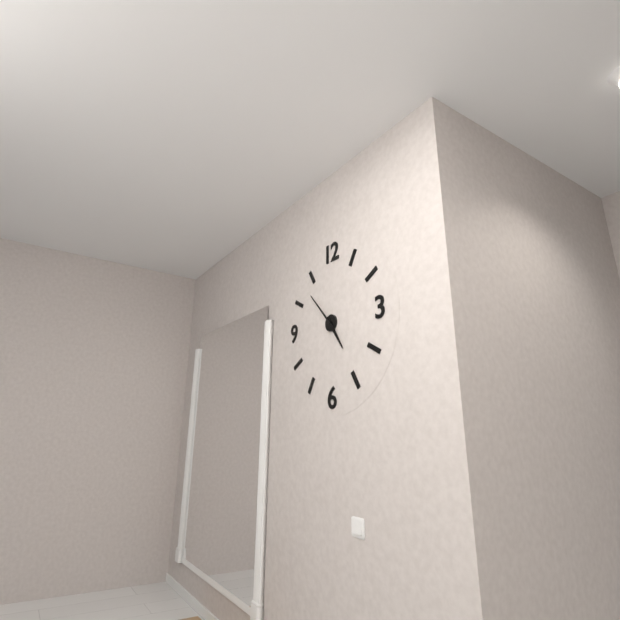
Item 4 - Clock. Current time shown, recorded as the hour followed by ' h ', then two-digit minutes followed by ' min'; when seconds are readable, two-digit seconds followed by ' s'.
4 h 53 min
